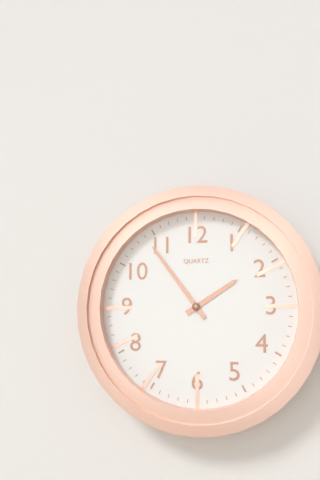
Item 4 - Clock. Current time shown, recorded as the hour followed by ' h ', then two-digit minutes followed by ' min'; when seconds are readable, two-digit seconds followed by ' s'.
1 h 54 min
